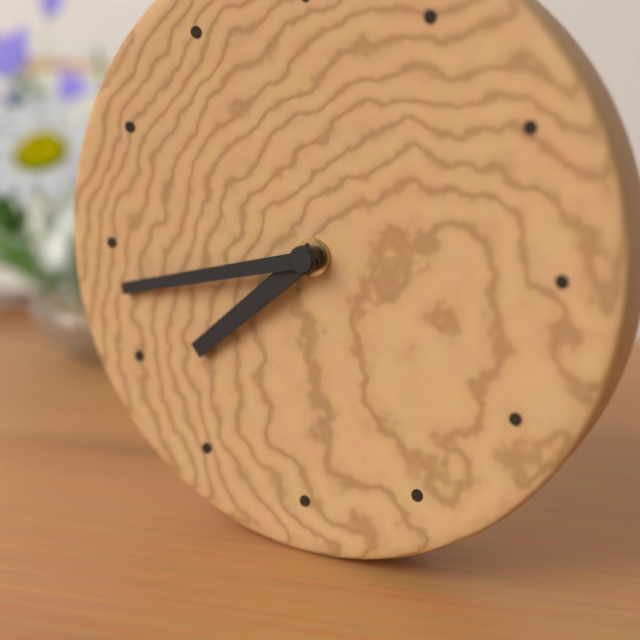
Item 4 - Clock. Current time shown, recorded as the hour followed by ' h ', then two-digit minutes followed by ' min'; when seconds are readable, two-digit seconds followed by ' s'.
7 h 43 min
